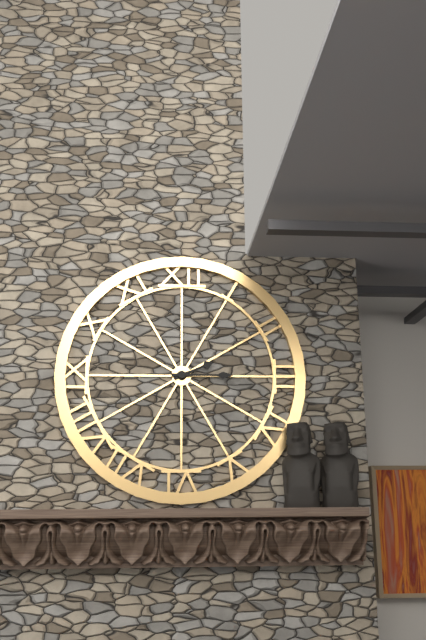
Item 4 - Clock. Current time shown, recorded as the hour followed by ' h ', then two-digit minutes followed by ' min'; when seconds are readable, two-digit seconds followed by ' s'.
2 h 15 min
